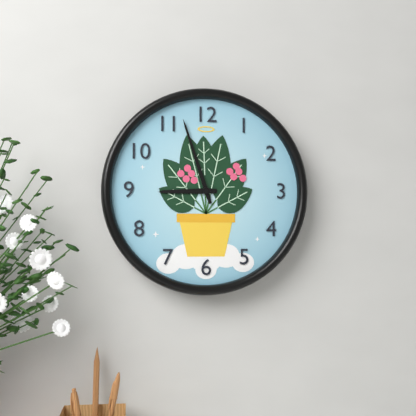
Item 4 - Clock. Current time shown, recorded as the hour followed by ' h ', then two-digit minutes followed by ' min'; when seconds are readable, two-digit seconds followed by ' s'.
8 h 57 min
